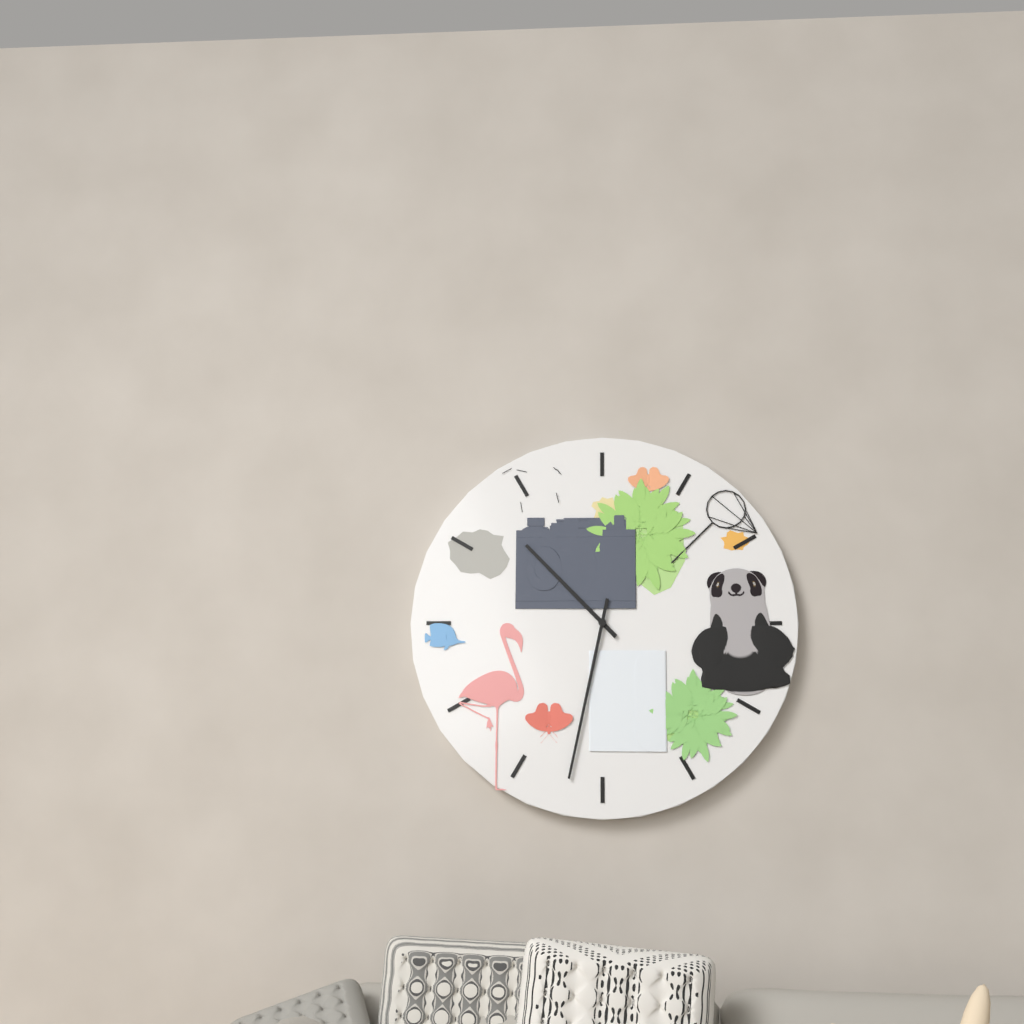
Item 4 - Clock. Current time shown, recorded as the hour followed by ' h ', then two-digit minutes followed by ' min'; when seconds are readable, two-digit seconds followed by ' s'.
10 h 32 min
